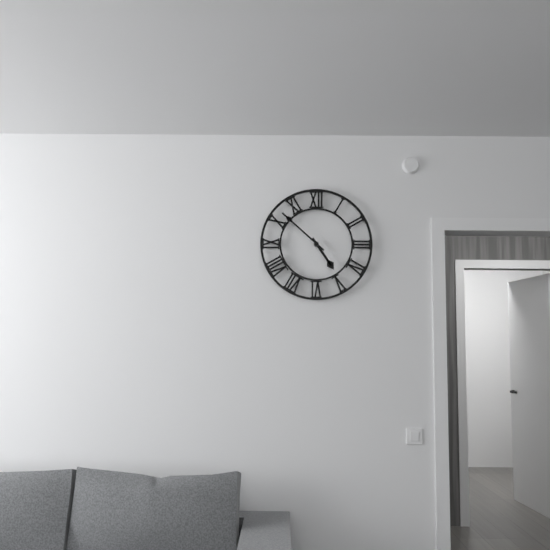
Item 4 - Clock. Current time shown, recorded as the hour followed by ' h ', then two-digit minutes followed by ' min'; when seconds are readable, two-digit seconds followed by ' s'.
4 h 52 min
